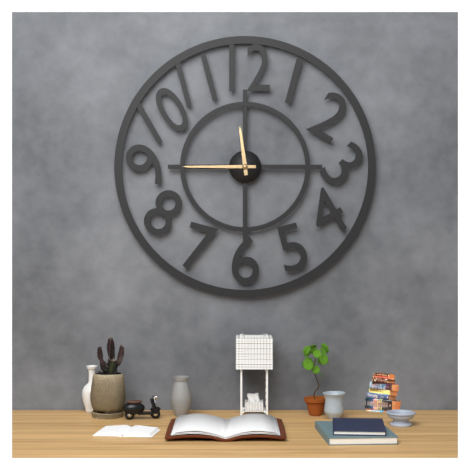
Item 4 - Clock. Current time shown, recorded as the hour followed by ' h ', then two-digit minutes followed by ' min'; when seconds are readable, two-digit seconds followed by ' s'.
11 h 45 min
